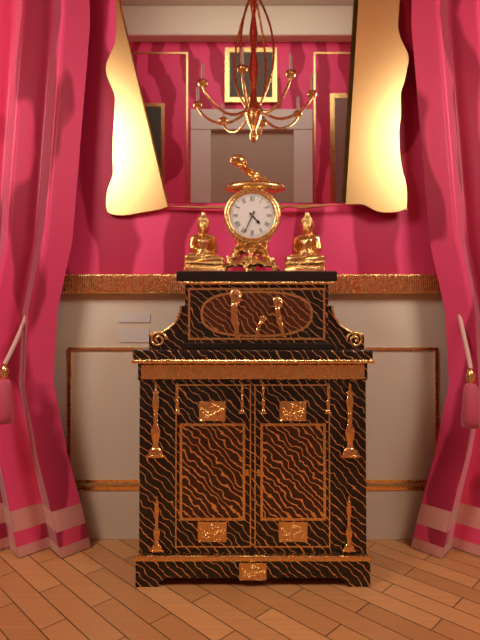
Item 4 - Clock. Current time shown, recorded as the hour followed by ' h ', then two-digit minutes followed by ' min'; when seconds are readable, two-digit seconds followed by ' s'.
4 h 34 min
